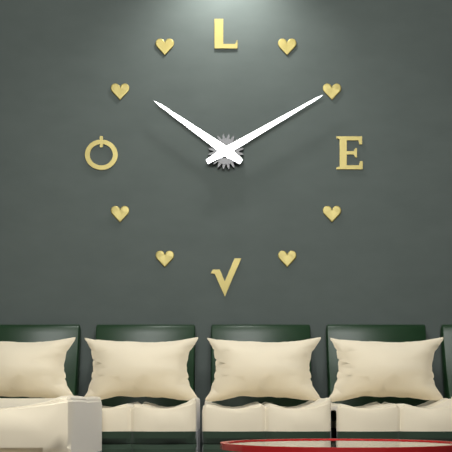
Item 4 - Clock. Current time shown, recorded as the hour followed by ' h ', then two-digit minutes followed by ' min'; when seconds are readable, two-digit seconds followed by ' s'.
10 h 10 min
